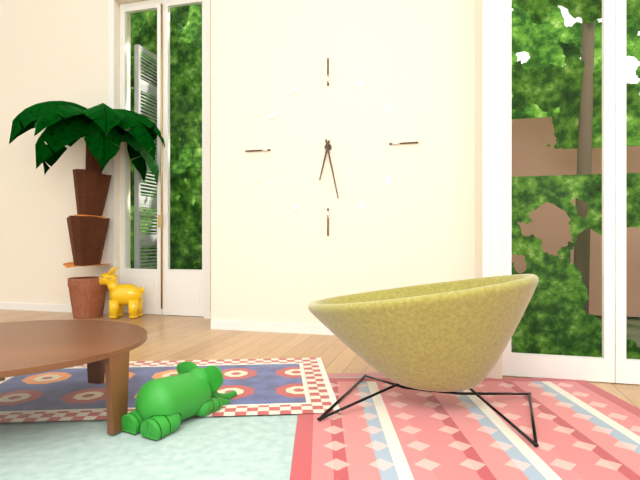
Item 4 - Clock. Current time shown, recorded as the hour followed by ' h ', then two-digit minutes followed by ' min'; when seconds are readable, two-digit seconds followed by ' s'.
6 h 28 min
